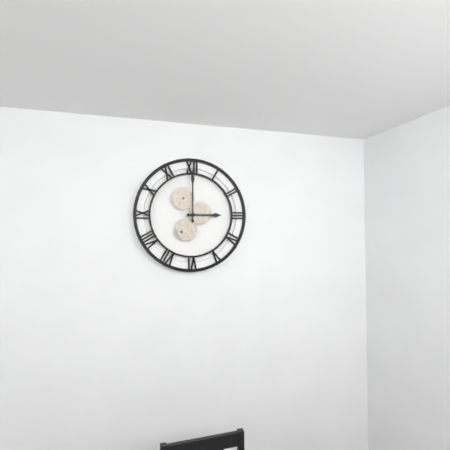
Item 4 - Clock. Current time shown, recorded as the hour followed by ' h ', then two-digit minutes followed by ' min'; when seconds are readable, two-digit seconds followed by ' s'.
3 h 00 min
